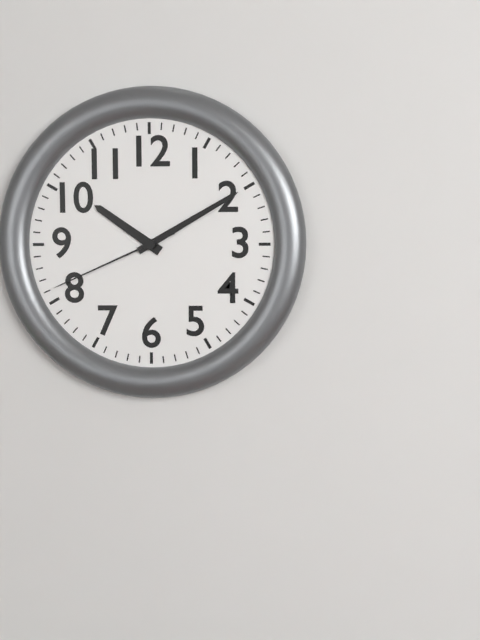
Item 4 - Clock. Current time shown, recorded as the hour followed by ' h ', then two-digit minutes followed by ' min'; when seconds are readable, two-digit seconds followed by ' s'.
10 h 10 min 41 s
